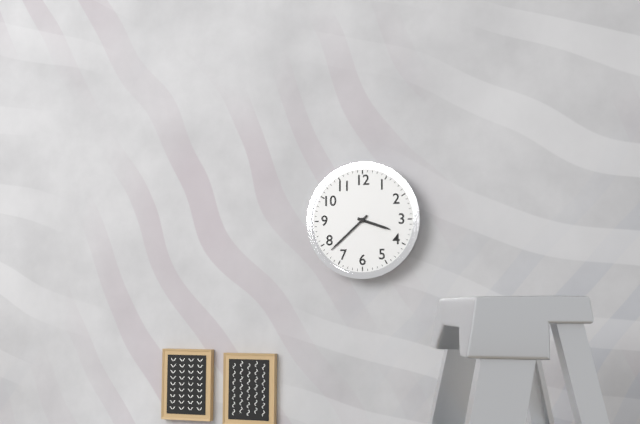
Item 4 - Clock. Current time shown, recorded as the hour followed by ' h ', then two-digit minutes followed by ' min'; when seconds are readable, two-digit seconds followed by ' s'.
3 h 38 min
